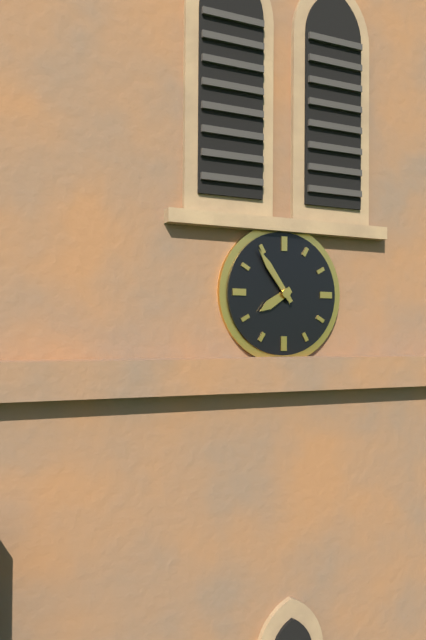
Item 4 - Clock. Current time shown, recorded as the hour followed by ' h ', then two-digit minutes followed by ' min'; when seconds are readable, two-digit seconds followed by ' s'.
7 h 54 min
